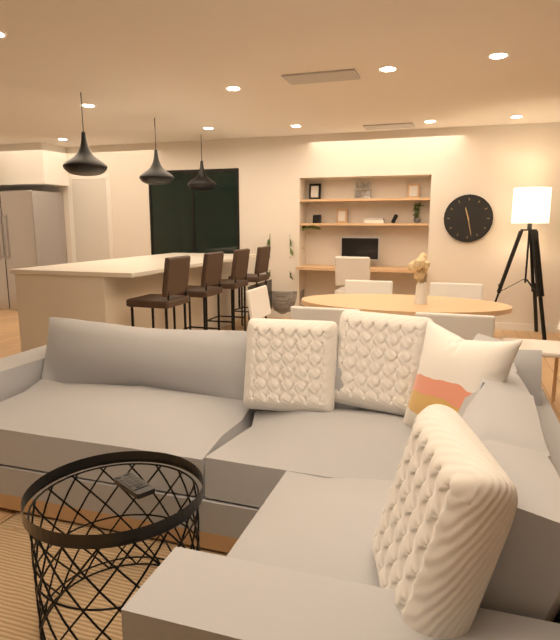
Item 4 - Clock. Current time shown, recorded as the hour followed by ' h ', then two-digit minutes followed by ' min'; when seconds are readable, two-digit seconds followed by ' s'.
11 h 28 min
